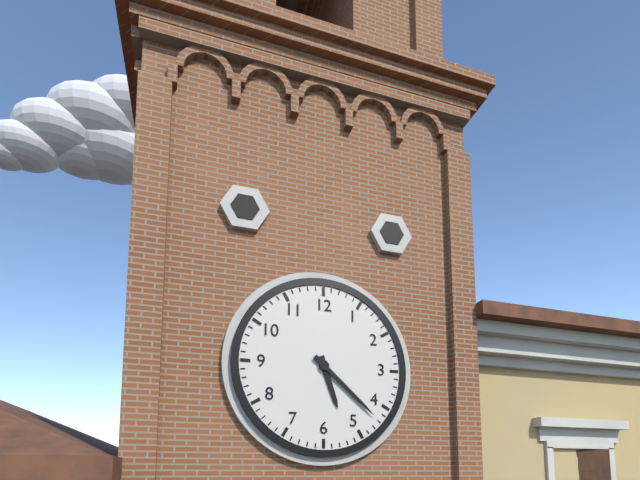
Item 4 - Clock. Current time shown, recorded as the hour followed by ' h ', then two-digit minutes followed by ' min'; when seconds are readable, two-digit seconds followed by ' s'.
5 h 22 min
